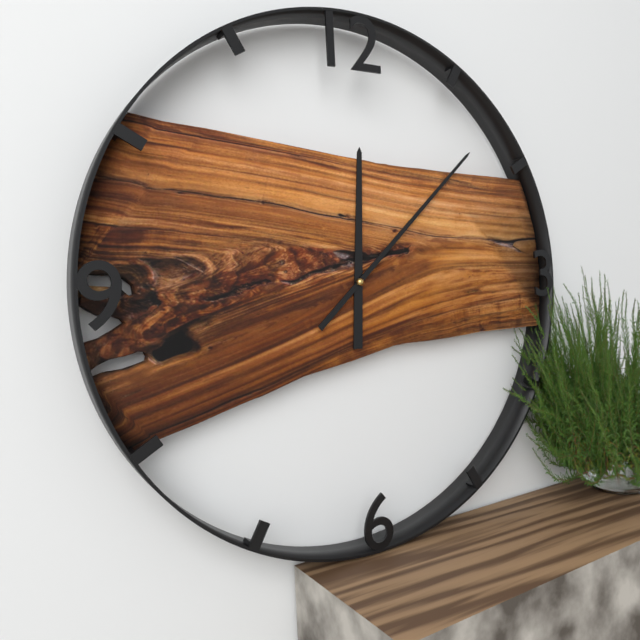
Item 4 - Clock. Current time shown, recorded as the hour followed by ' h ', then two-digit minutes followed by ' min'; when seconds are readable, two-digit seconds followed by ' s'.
12 h 08 min
